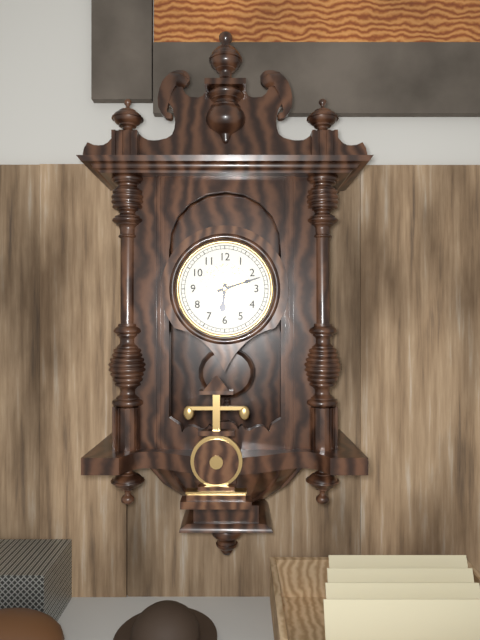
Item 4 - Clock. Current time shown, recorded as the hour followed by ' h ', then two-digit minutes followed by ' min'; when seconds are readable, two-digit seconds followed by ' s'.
6 h 12 min
